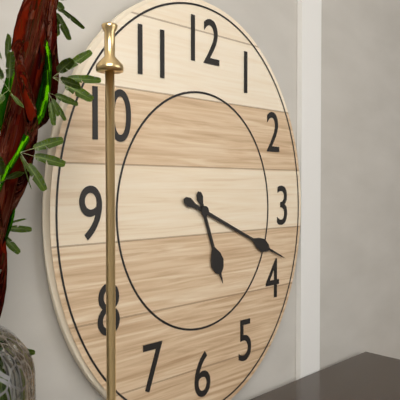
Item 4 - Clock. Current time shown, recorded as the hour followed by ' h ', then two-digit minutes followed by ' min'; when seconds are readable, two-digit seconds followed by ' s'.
5 h 19 min
